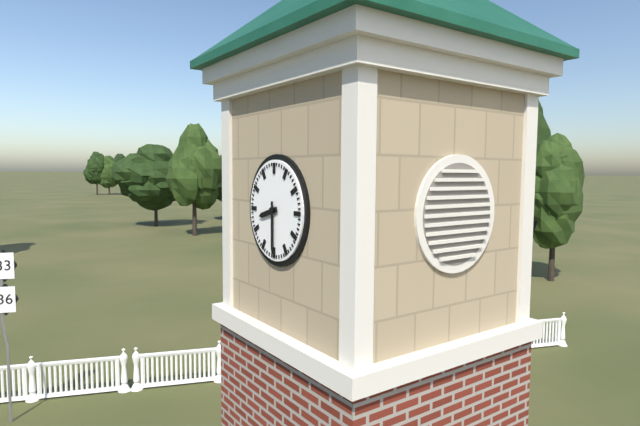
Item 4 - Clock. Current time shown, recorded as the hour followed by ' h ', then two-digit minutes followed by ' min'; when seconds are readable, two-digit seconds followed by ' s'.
8 h 30 min
